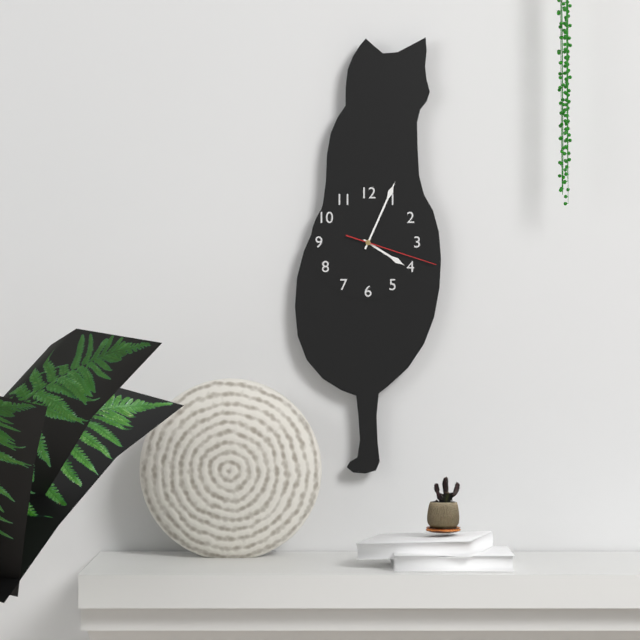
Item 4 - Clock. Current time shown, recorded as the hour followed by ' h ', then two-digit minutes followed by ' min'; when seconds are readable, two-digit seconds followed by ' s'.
4 h 04 min 18 s
